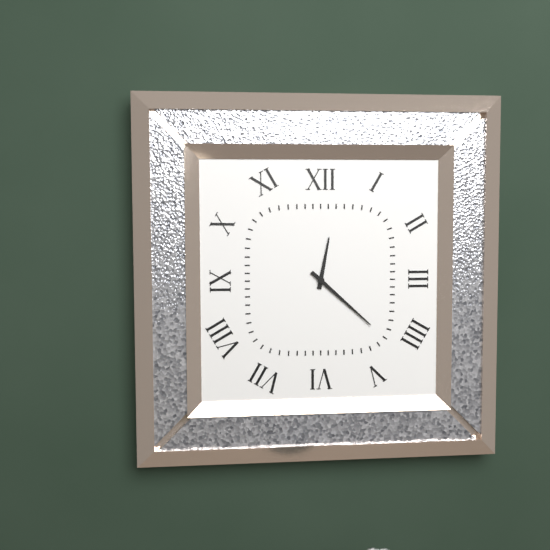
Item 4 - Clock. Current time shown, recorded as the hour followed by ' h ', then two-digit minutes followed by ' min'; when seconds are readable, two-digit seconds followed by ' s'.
12 h 22 min
